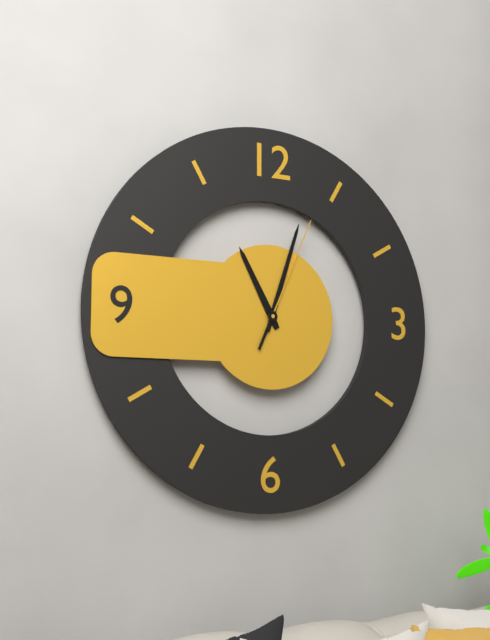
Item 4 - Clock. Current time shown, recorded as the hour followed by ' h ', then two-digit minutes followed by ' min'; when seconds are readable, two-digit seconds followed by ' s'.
11 h 03 min 04 s
